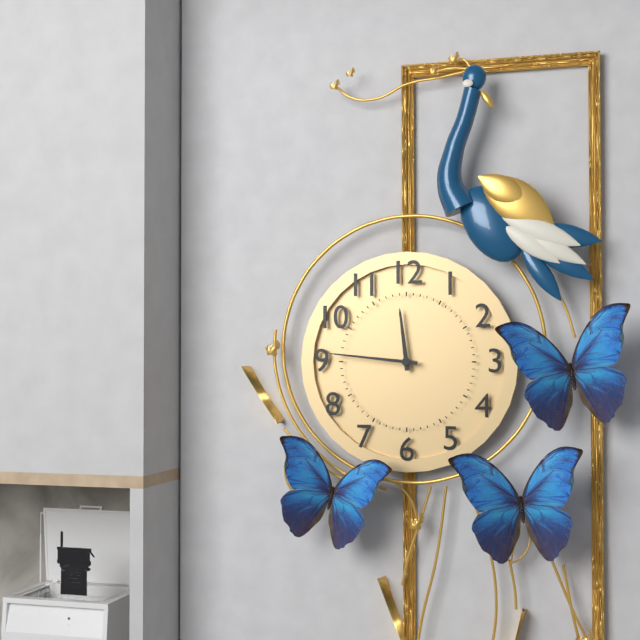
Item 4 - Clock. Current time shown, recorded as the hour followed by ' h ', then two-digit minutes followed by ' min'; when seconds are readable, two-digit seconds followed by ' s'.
11 h 46 min
